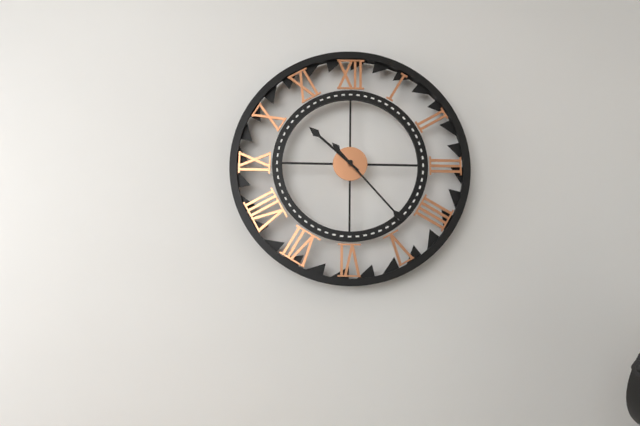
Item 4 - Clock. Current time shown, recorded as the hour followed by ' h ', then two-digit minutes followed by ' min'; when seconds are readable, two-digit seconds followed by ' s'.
10 h 23 min
